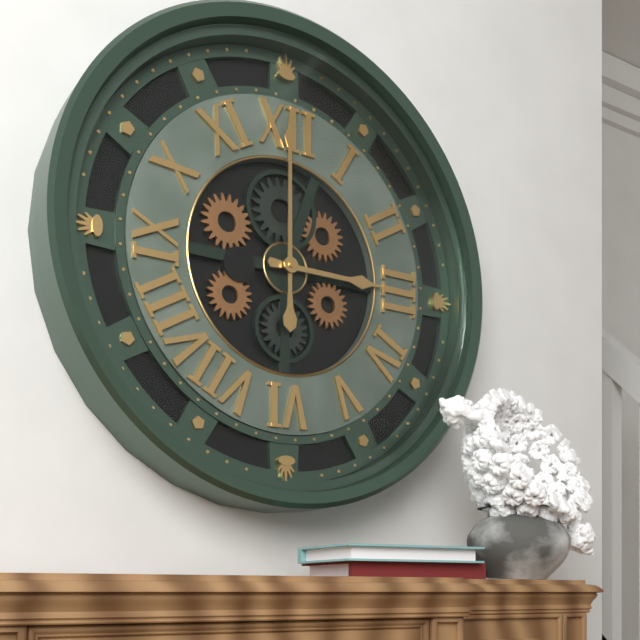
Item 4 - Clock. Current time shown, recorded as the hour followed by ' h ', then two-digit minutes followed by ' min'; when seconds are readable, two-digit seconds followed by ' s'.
3 h 00 min
